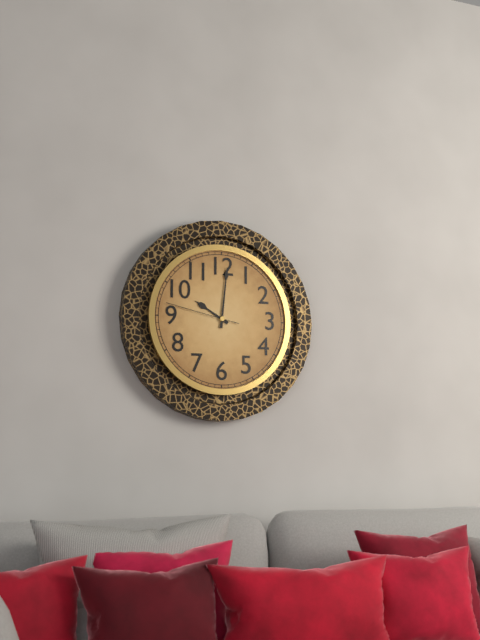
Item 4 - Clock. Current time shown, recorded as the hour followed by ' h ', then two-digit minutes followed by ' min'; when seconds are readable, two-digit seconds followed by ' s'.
10 h 01 min 47 s
